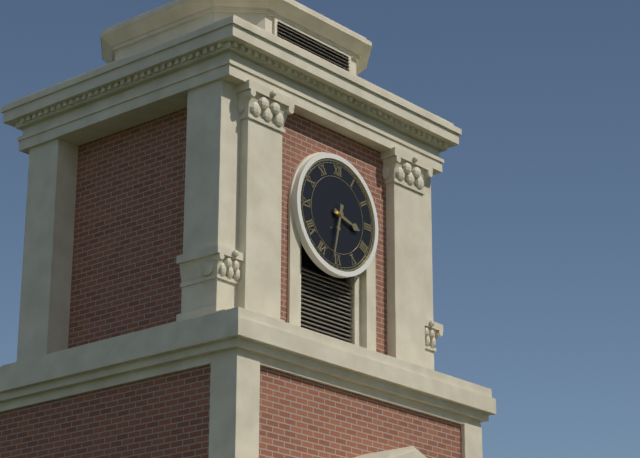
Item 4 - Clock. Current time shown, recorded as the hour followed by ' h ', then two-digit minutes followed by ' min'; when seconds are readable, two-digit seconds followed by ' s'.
3 h 32 min
